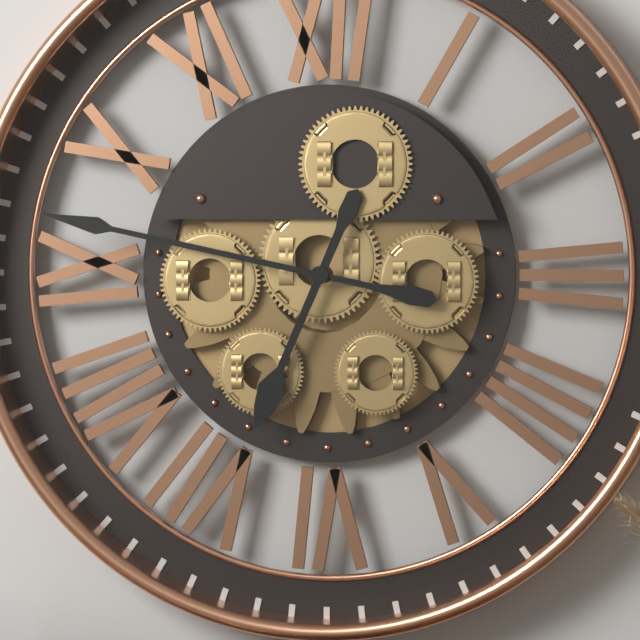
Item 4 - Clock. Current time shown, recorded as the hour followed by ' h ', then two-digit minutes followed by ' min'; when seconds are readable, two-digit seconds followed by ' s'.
6 h 47 min
